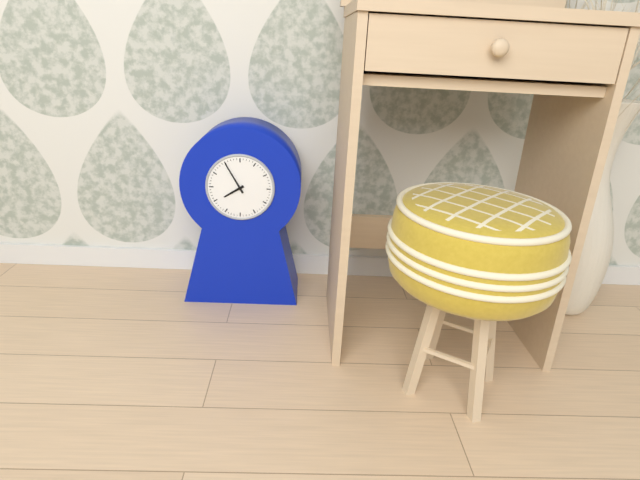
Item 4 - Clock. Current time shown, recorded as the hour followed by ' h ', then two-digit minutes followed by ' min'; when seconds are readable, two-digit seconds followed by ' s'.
7 h 55 min
